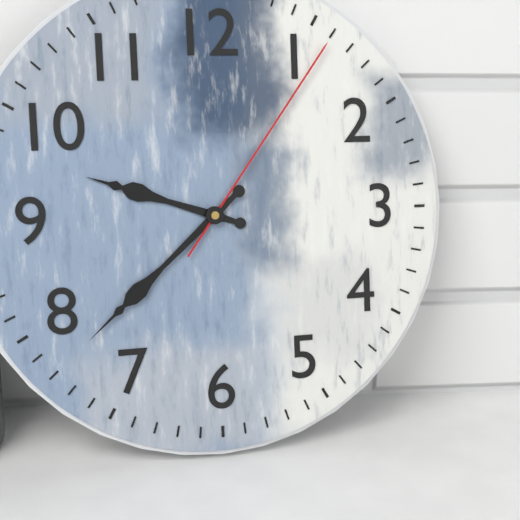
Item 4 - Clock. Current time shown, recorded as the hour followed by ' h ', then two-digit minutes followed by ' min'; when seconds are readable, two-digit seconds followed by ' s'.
9 h 38 min 06 s
